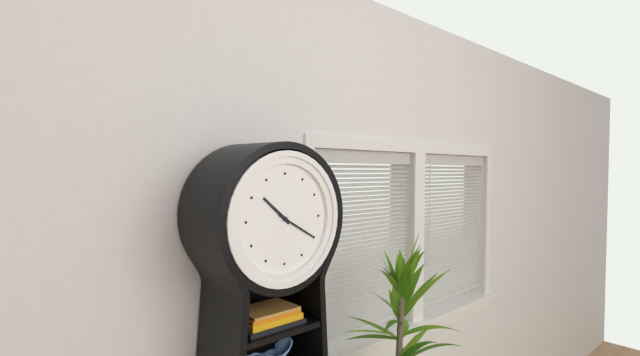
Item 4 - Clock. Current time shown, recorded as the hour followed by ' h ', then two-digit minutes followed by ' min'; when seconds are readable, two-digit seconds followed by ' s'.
10 h 20 min
